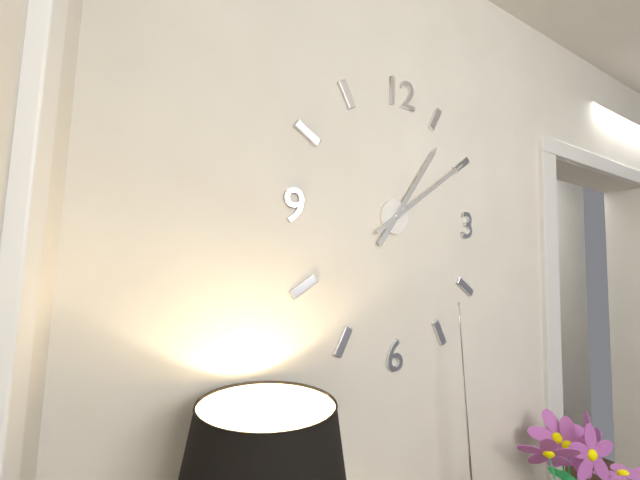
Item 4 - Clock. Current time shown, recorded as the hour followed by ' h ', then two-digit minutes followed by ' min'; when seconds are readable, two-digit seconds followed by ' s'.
1 h 09 min
